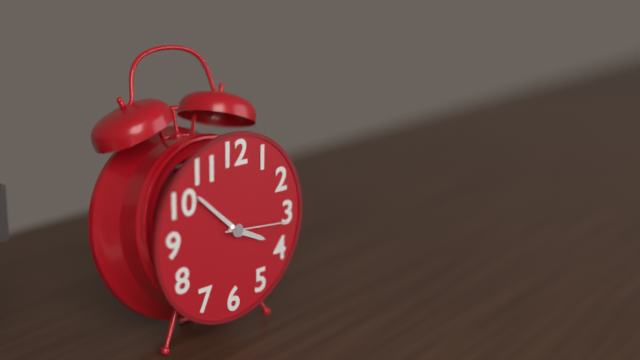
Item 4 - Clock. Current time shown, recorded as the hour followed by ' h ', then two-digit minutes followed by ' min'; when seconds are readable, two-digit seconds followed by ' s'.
3 h 52 min 16 s
